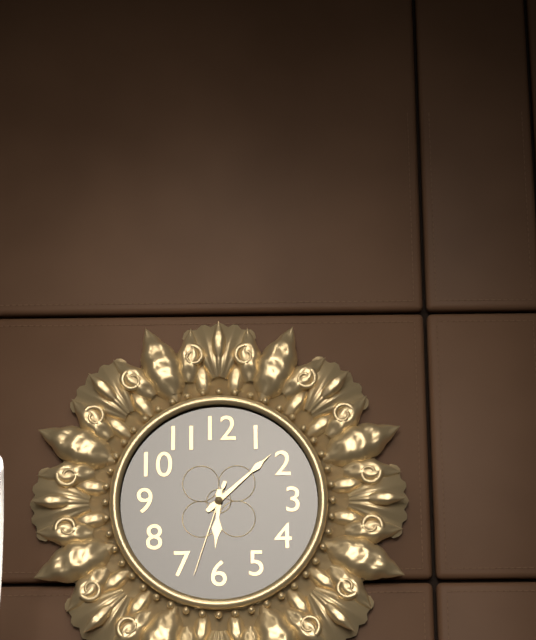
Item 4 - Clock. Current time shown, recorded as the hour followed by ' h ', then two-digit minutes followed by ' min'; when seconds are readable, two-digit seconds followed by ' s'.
6 h 08 min 33 s
